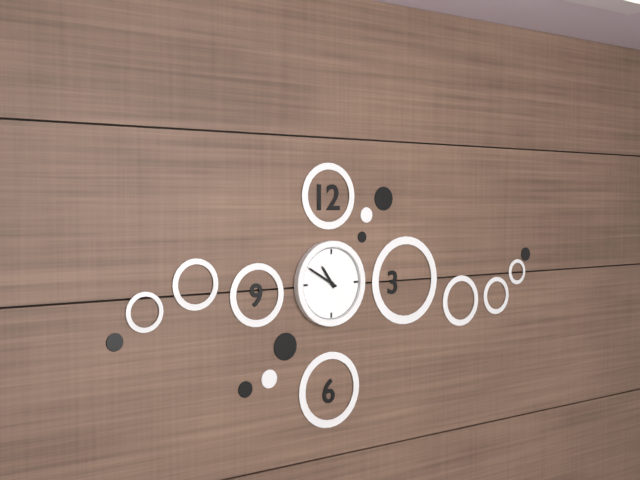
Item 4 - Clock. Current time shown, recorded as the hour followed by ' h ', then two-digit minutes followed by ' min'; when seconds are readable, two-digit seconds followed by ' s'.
10 h 50 min
